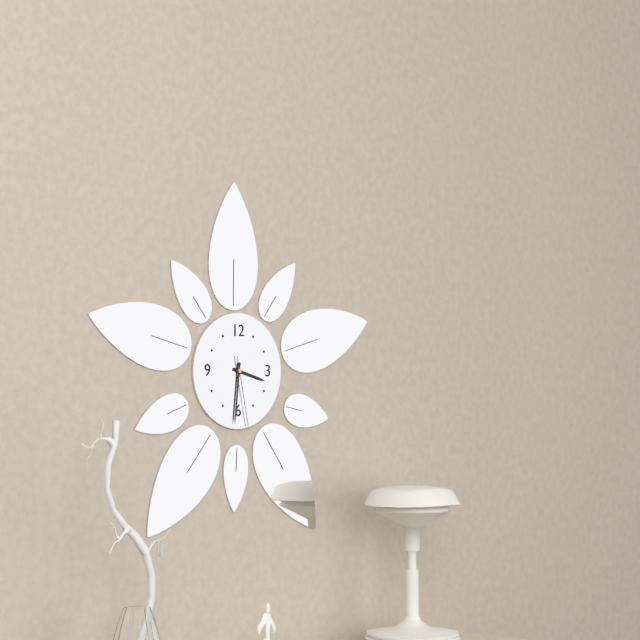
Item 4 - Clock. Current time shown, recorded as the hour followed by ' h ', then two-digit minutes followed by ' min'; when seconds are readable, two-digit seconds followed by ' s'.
3 h 31 min 28 s
